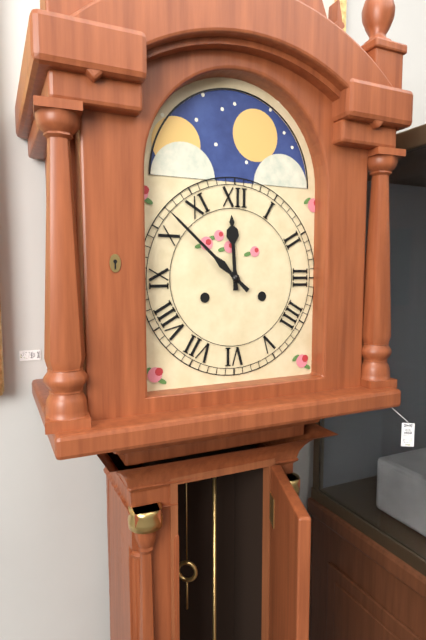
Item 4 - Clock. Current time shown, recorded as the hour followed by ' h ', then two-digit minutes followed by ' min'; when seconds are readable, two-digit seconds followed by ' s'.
11 h 52 min
